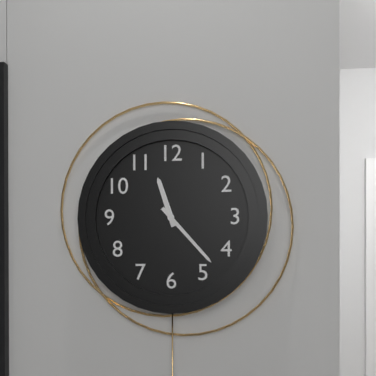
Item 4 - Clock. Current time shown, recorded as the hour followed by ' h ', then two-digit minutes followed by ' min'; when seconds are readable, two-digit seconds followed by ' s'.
11 h 23 min
